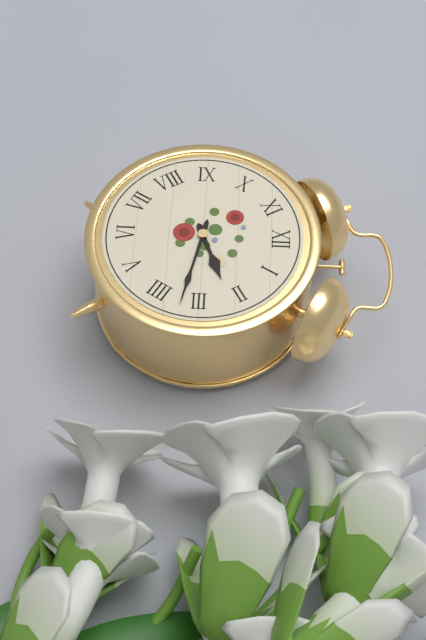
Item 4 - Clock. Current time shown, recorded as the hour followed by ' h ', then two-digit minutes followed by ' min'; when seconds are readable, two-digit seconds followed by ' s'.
2 h 17 min
